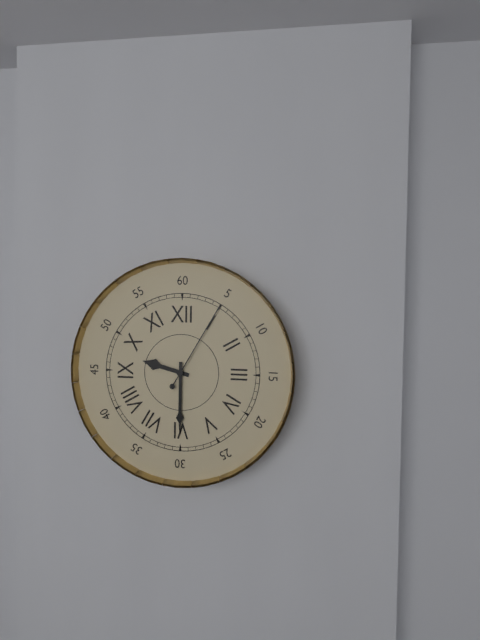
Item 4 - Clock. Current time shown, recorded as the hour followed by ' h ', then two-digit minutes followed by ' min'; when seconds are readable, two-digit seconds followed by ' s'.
9 h 30 min 05 s
